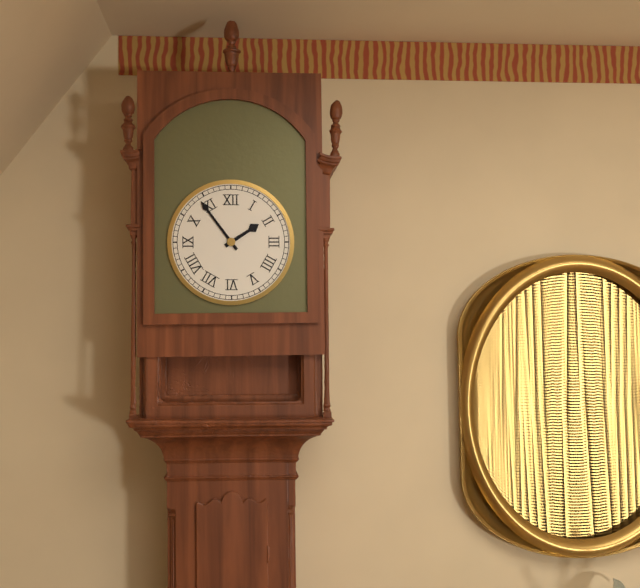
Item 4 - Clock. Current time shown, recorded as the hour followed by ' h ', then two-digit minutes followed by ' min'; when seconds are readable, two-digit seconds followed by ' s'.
1 h 54 min
